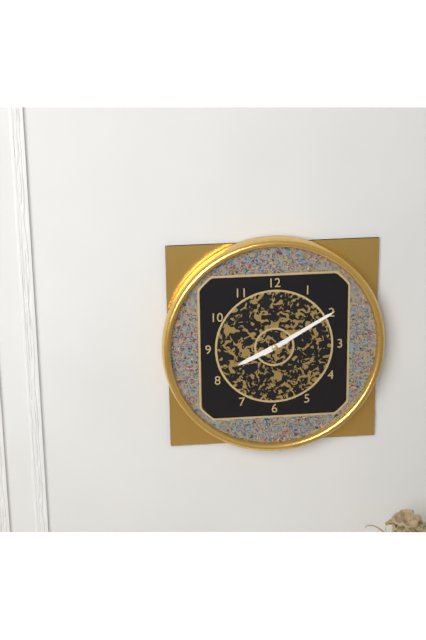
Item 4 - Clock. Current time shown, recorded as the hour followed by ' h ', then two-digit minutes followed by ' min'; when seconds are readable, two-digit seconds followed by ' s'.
8 h 10 min
